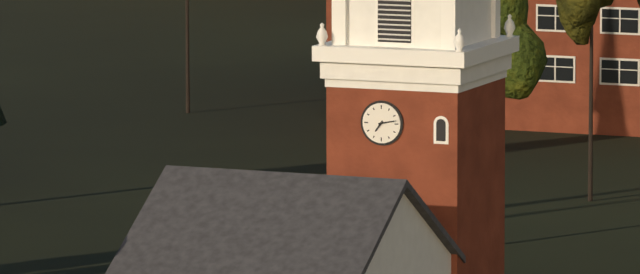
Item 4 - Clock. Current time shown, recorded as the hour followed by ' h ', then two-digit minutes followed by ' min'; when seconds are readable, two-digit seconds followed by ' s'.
7 h 13 min
